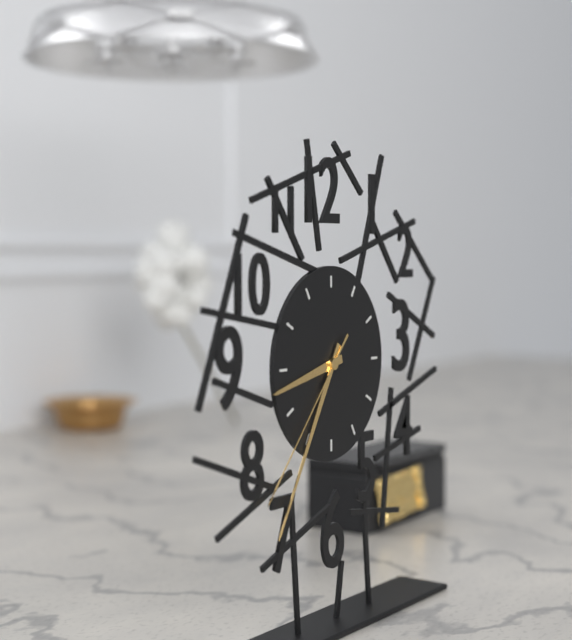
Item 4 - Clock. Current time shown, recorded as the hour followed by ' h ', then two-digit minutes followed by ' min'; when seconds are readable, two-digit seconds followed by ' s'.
8 h 35 min 37 s
